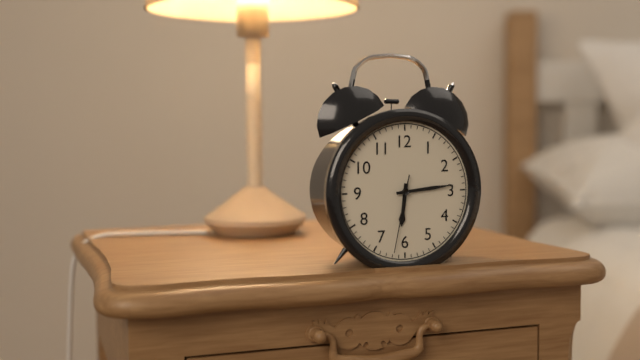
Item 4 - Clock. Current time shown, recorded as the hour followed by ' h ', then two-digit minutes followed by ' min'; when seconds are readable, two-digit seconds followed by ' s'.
6 h 14 min 32 s
